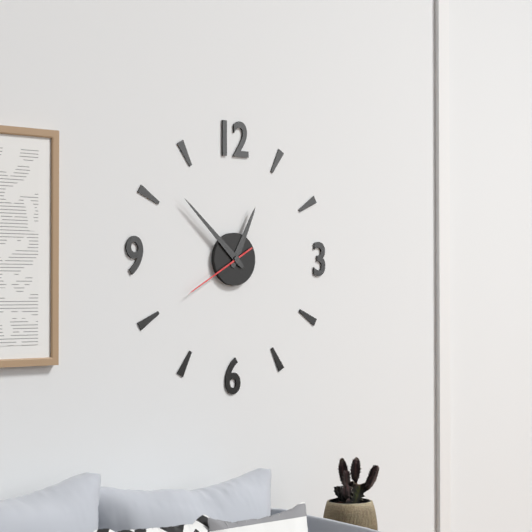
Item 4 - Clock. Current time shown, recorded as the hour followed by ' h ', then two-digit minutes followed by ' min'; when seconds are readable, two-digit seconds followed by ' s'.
12 h 52 min 40 s
